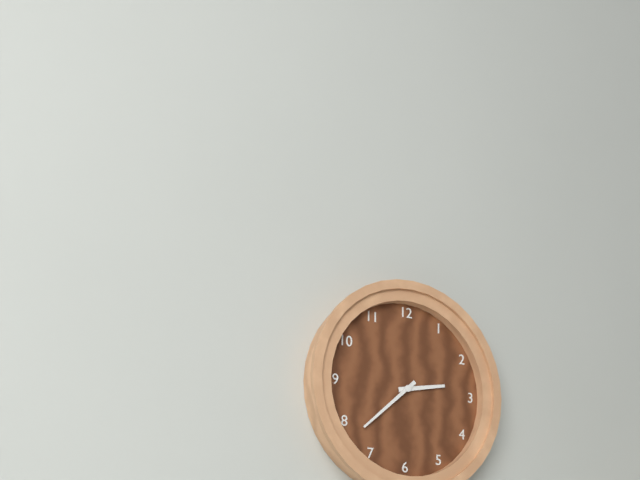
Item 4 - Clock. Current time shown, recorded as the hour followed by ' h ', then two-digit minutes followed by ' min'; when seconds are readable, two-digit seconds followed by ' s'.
2 h 38 min
